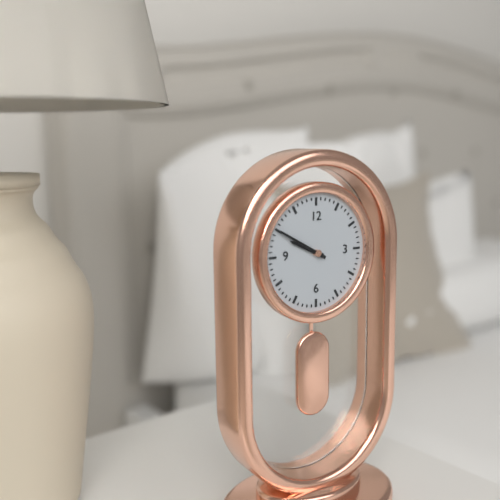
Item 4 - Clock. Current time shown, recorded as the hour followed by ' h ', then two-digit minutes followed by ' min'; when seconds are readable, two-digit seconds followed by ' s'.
9 h 50 min
